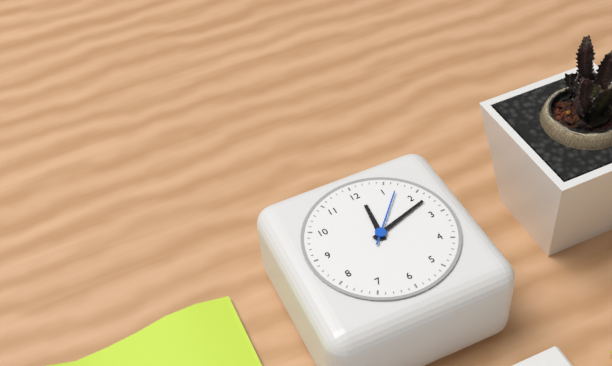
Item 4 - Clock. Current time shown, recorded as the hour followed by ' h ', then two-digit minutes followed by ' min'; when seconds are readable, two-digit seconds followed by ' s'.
12 h 12 min 07 s
